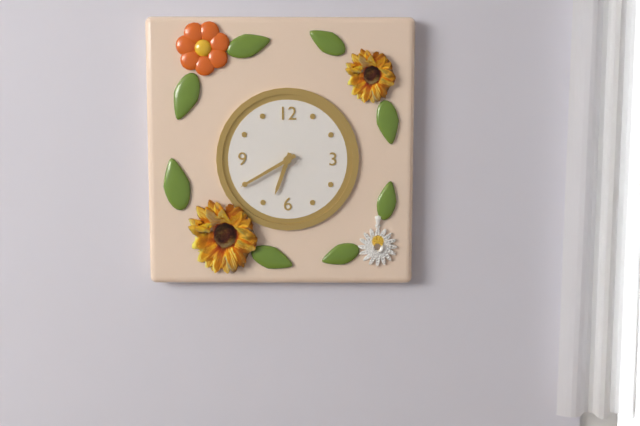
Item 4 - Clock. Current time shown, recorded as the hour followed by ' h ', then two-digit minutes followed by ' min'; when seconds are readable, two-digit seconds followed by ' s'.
6 h 40 min
